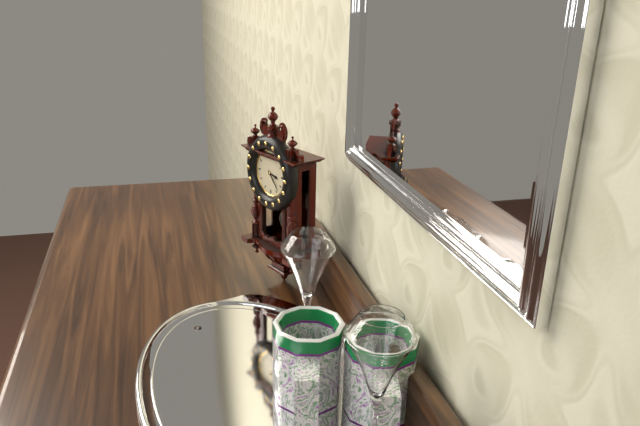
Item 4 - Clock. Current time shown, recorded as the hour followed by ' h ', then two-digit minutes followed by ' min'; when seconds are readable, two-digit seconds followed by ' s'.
3 h 23 min
